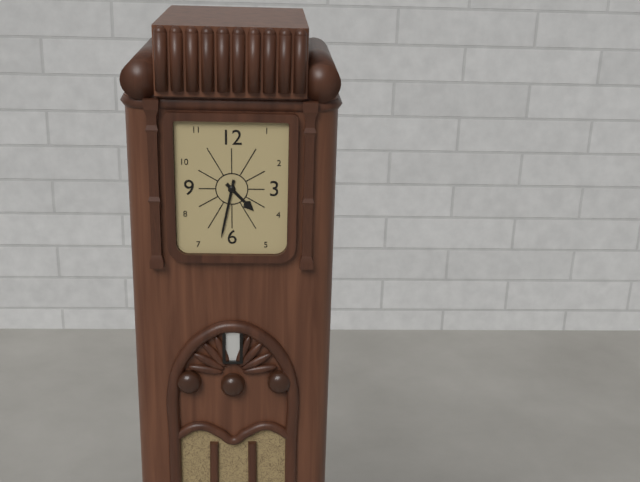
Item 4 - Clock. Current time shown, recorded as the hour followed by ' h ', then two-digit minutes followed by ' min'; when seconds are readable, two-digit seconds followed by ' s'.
4 h 32 min
